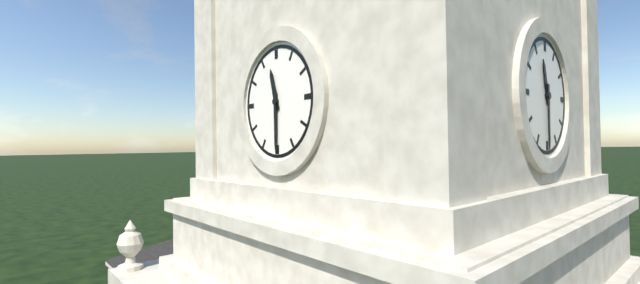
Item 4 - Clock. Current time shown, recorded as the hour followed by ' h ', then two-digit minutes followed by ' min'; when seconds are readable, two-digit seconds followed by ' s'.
11 h 30 min
